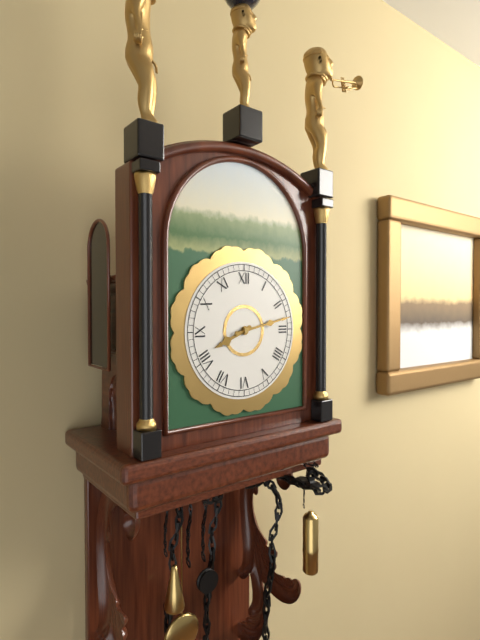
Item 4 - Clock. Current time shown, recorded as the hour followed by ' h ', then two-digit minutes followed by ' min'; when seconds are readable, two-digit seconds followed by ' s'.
8 h 13 min
